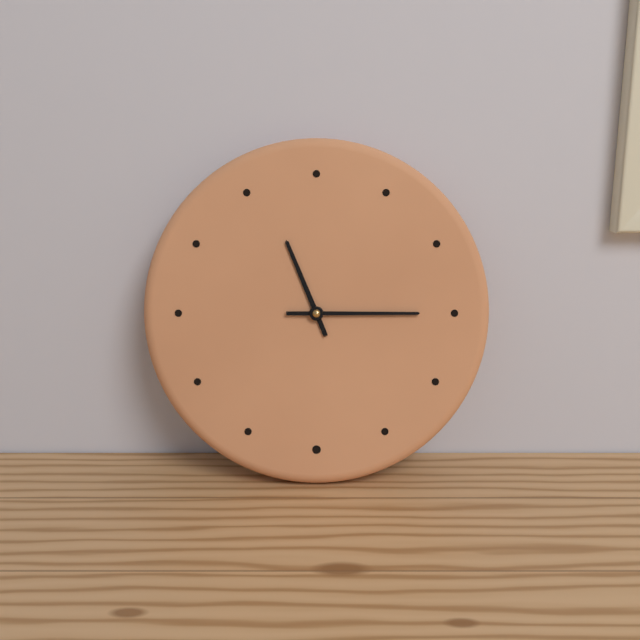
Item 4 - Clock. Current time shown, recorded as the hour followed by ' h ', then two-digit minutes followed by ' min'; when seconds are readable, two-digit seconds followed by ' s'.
11 h 15 min
